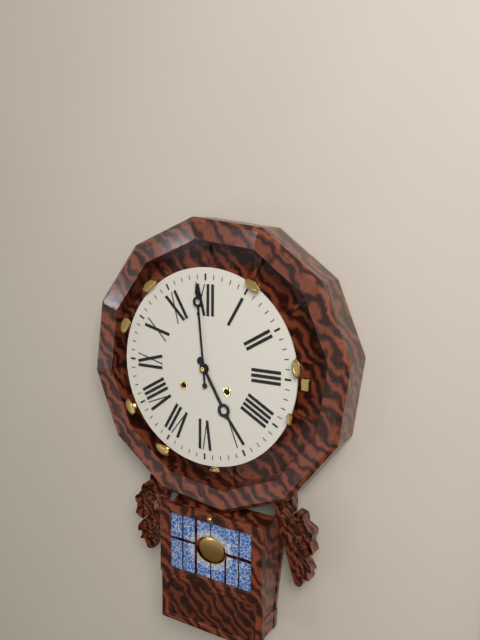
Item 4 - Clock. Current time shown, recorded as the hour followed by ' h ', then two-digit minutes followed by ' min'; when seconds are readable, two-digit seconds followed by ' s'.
4 h 59 min
